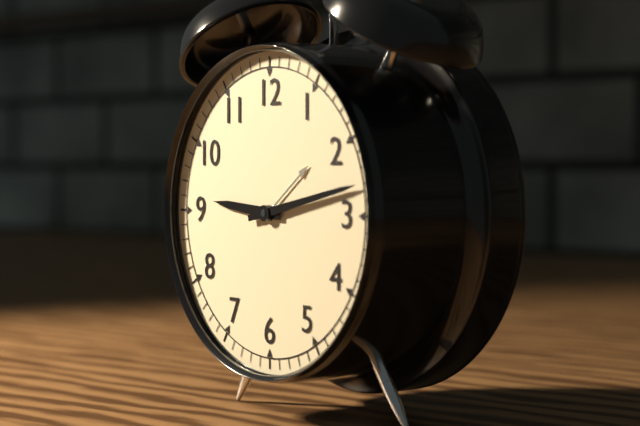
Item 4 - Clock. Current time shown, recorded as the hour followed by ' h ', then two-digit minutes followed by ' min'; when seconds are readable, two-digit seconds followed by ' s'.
9 h 13 min
